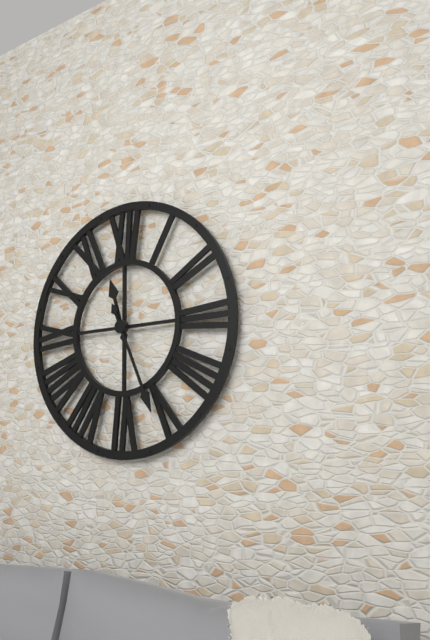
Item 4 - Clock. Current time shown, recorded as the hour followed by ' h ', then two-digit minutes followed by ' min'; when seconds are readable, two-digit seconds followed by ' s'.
11 h 26 min
